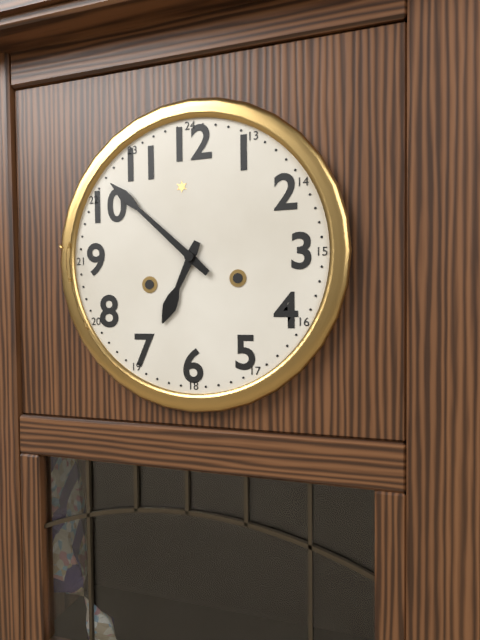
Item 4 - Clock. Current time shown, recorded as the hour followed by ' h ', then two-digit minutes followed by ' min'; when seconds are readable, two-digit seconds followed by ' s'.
6 h 52 min
